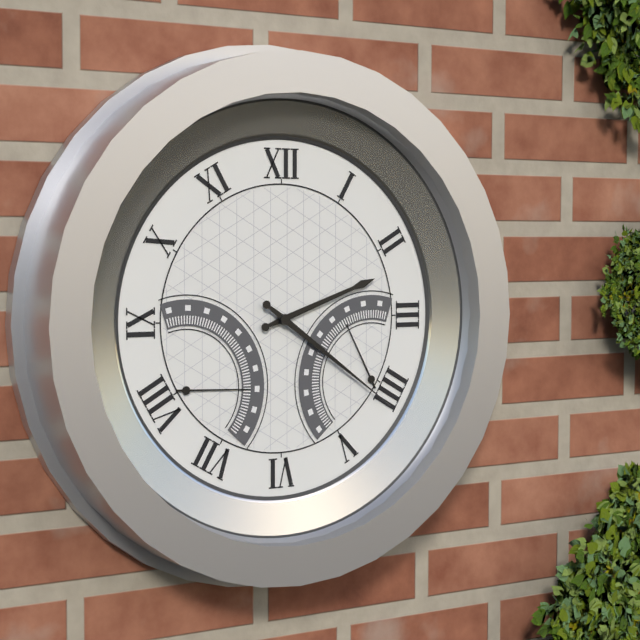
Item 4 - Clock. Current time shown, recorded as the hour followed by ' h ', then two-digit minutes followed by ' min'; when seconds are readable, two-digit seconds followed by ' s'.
2 h 21 min
